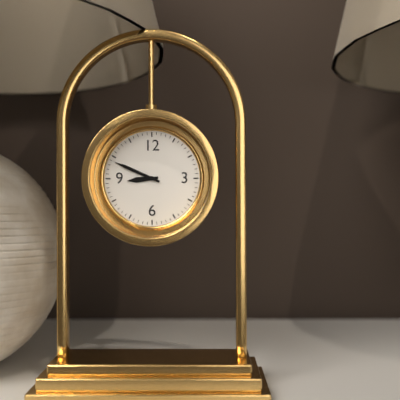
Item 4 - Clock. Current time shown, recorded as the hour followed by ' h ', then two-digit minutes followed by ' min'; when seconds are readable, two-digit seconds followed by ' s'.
8 h 49 min
